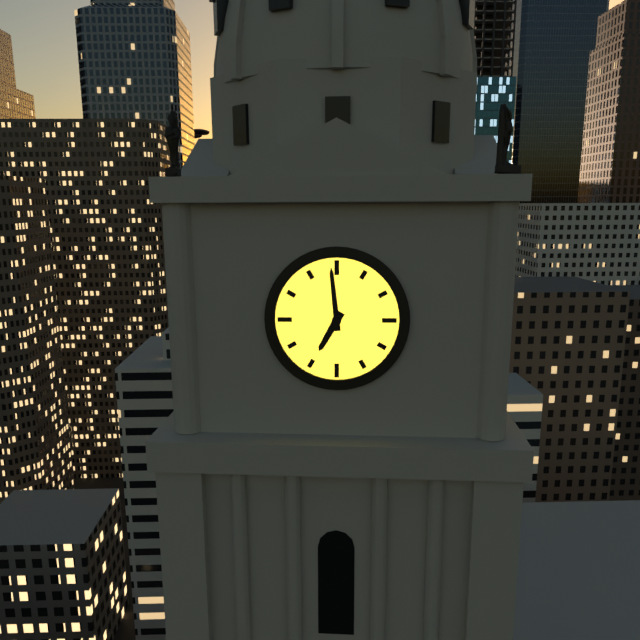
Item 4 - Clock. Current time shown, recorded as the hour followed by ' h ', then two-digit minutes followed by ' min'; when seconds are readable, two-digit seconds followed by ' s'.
6 h 59 min
